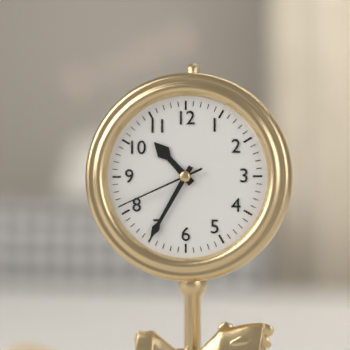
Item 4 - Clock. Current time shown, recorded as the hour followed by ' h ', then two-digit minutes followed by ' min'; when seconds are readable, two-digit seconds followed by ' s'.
10 h 35 min 41 s
